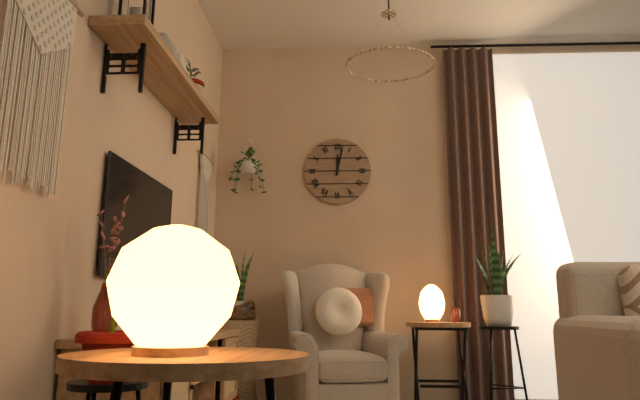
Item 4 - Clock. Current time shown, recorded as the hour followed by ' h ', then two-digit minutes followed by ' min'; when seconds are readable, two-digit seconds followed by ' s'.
12 h 02 min
